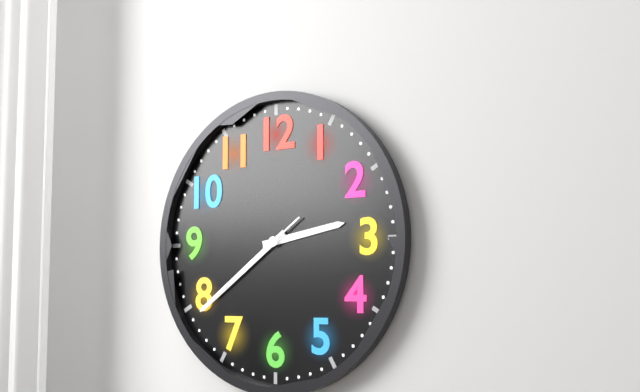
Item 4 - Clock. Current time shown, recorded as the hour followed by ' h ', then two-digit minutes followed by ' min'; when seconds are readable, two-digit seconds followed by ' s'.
2 h 39 min 39 s
